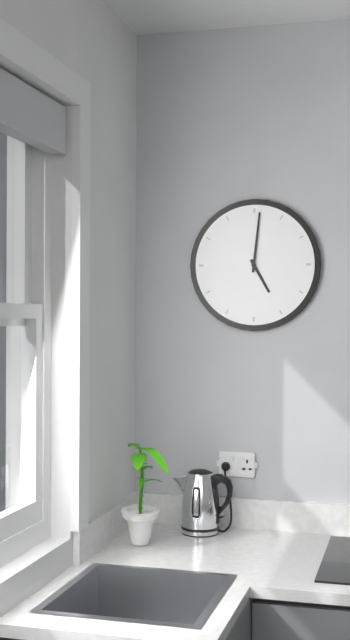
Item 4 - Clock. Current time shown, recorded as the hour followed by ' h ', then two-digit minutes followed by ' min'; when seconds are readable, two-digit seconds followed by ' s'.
5 h 01 min
